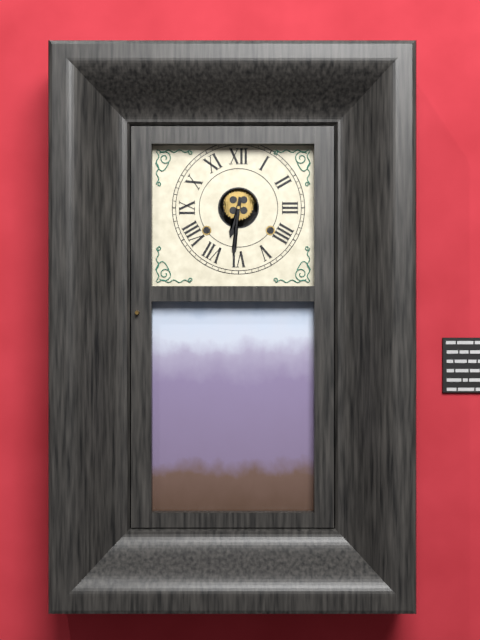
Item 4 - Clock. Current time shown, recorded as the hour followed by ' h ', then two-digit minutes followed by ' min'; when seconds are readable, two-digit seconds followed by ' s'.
6 h 31 min
